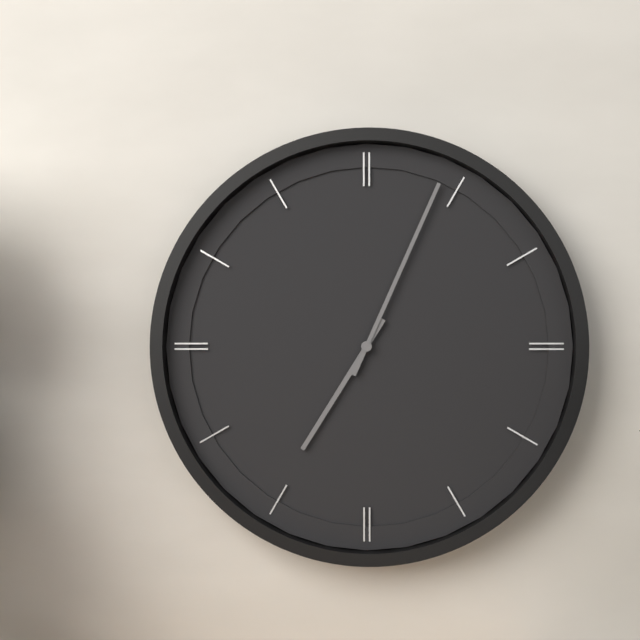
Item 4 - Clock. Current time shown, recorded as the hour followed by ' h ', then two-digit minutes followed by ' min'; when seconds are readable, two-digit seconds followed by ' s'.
7 h 04 min
